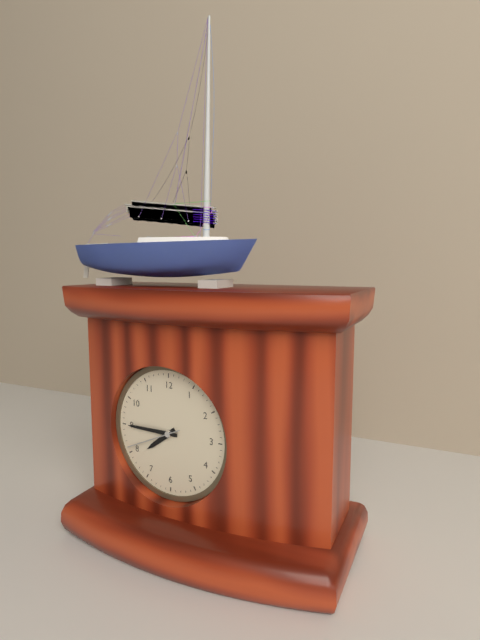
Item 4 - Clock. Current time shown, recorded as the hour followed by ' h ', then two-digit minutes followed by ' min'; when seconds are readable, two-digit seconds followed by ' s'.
7 h 45 min 41 s
